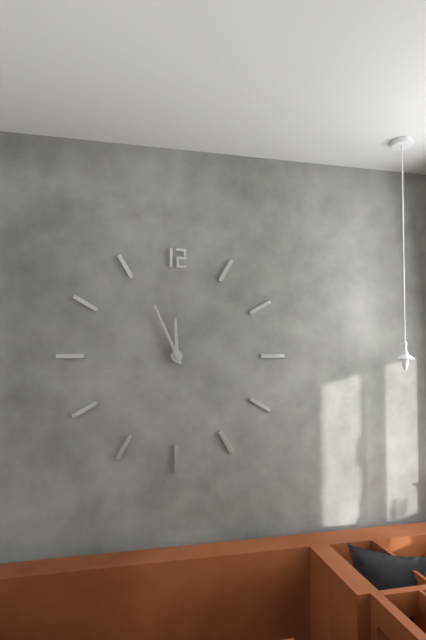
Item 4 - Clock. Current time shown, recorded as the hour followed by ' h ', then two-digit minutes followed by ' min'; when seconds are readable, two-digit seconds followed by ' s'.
11 h 56 min
